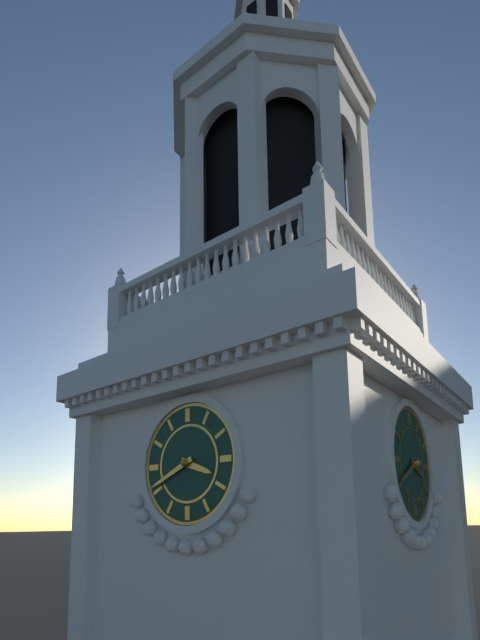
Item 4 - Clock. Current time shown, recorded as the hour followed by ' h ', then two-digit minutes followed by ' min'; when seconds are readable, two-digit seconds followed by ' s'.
3 h 41 min
